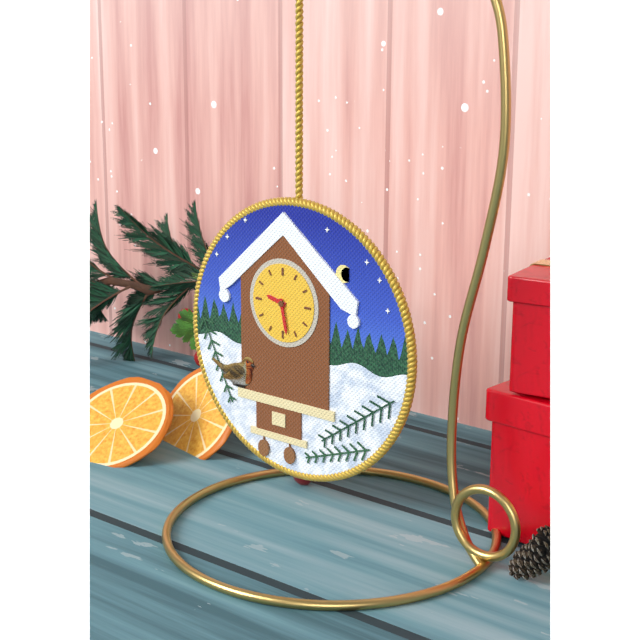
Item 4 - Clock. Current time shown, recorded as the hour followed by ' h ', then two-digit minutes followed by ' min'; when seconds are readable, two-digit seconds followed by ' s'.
9 h 28 min
